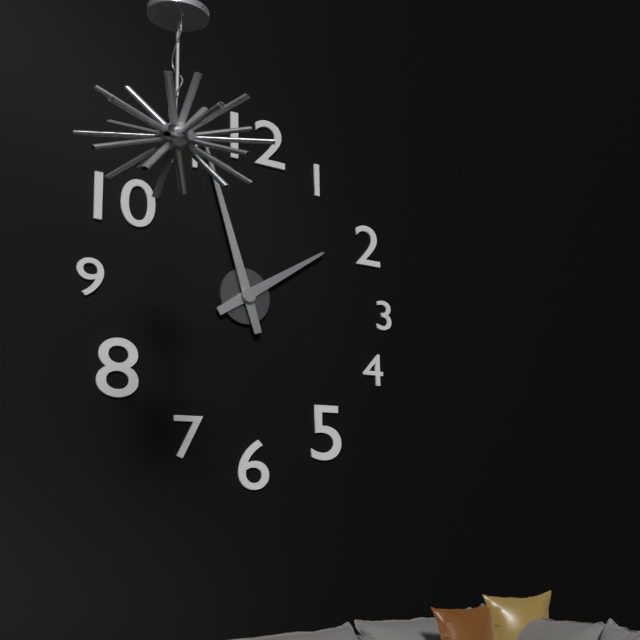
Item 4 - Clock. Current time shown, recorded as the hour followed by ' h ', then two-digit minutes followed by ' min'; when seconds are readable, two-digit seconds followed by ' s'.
1 h 57 min
